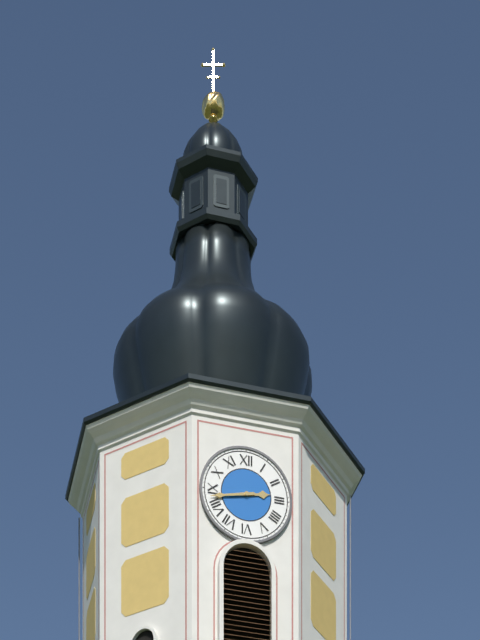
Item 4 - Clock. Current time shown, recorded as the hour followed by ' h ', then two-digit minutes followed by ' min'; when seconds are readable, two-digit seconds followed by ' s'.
2 h 43 min
